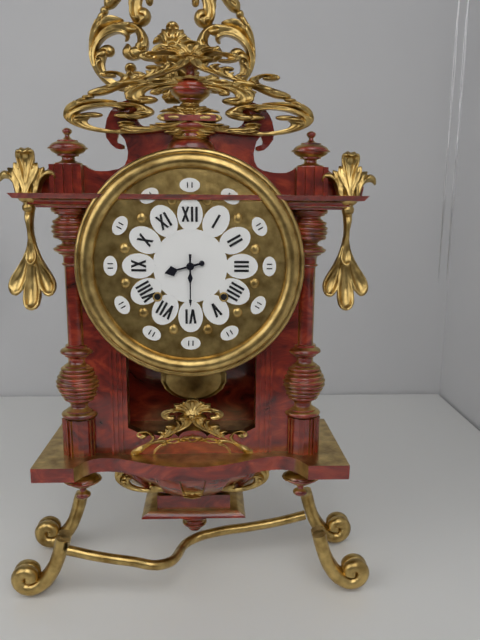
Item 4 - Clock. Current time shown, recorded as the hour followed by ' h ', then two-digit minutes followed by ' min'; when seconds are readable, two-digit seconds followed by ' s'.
8 h 30 min
